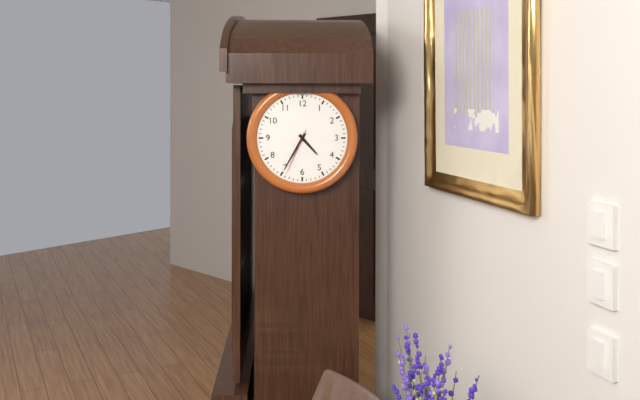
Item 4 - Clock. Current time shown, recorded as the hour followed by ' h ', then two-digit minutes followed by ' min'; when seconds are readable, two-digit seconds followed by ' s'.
4 h 35 min 34 s
